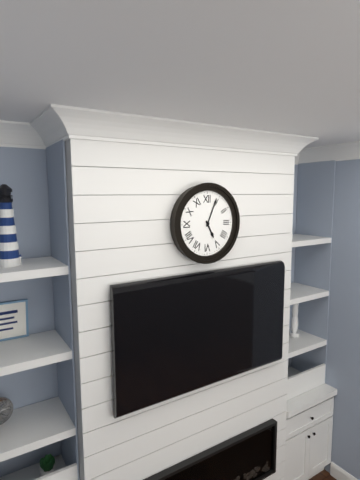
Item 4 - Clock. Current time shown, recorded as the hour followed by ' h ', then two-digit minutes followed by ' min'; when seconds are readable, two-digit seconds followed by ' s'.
5 h 04 min
